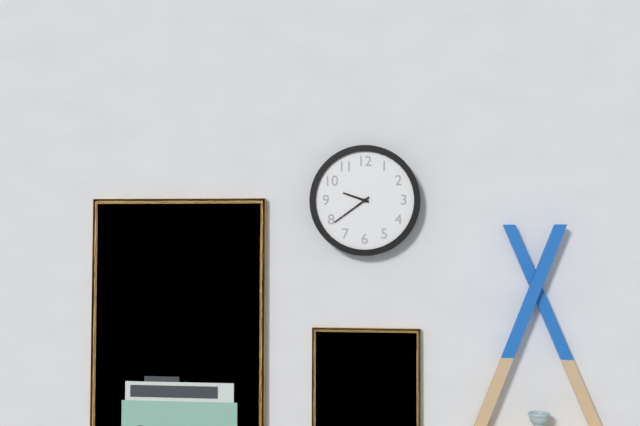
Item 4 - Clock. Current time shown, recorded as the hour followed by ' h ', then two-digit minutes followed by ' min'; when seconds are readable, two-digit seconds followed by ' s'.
9 h 39 min
